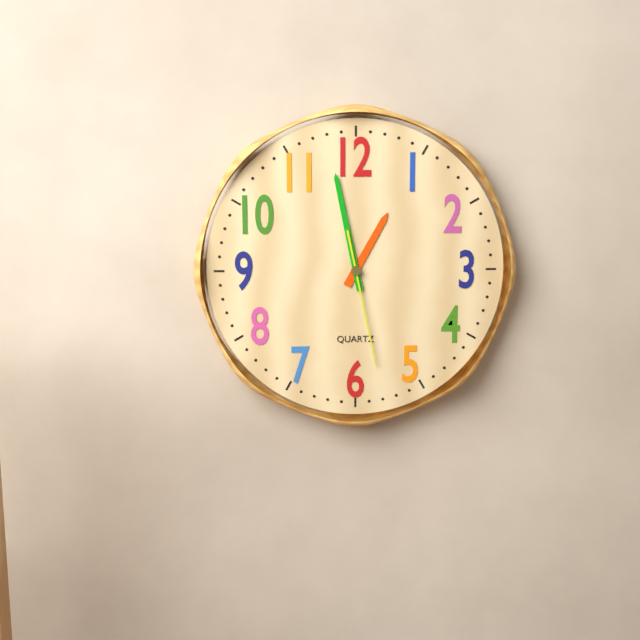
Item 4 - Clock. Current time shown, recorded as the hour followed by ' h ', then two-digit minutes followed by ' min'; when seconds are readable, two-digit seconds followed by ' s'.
12 h 58 min 28 s
